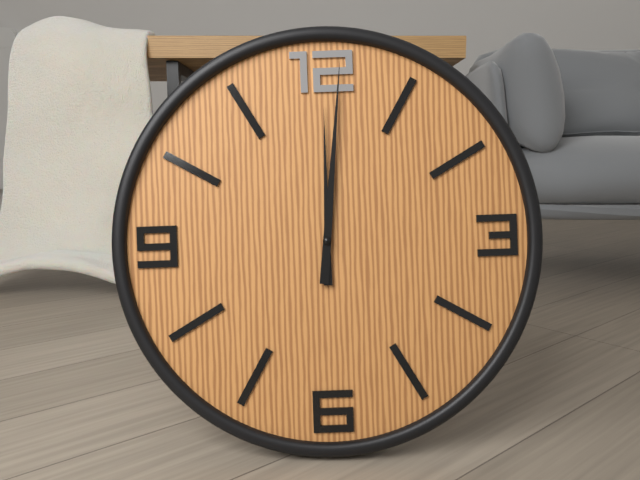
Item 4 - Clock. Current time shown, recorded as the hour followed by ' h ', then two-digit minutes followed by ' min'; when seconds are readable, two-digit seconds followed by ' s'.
12 h 01 min
